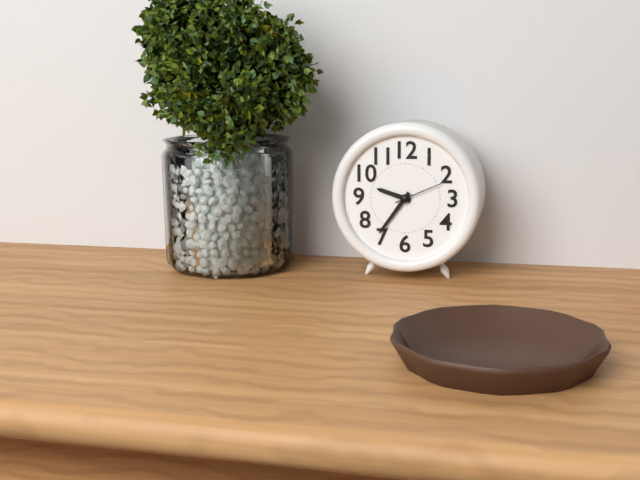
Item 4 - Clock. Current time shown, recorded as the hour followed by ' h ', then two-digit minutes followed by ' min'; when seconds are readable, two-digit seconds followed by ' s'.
9 h 36 min 11 s
